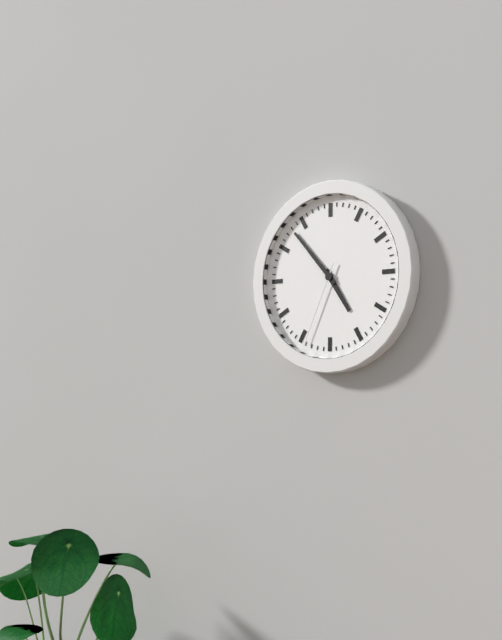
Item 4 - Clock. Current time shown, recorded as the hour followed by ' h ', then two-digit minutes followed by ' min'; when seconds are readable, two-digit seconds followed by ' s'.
4 h 53 min 34 s
